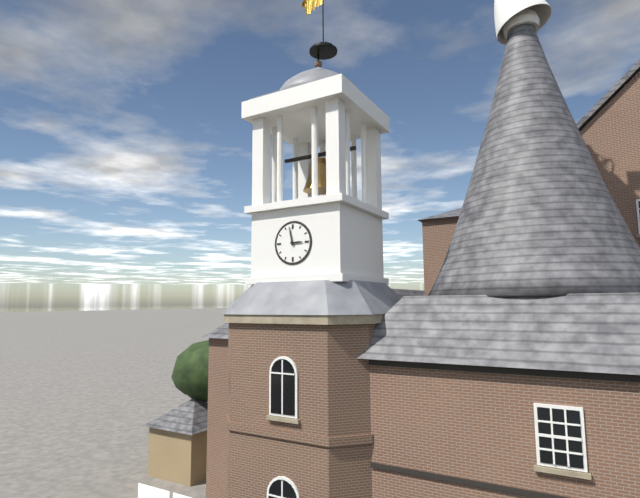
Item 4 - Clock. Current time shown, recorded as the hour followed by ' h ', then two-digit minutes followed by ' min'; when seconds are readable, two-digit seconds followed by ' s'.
2 h 58 min
